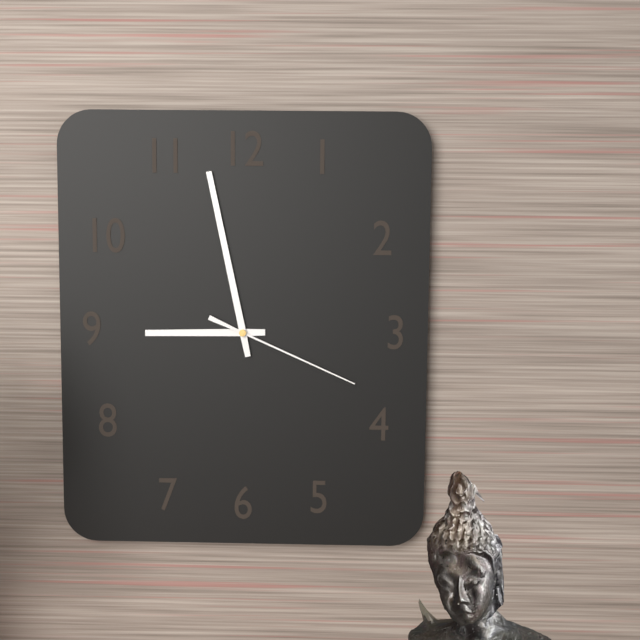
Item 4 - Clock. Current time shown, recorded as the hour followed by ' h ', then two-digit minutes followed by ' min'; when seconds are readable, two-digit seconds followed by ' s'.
8 h 58 min 19 s
